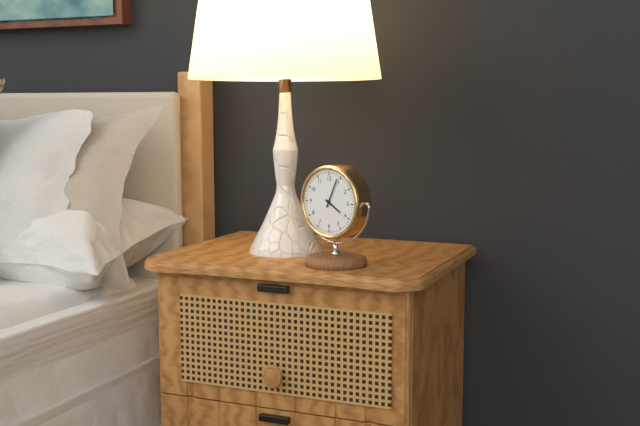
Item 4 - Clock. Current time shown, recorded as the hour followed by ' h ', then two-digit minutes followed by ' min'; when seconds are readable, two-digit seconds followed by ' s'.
4 h 04 min
